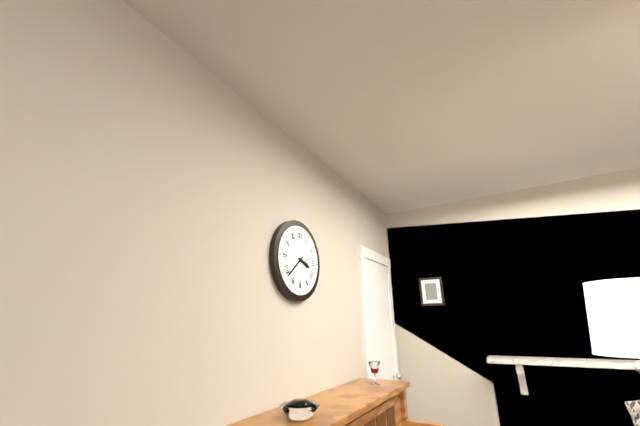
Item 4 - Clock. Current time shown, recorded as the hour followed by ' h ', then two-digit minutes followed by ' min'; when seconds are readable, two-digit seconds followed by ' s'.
3 h 38 min
